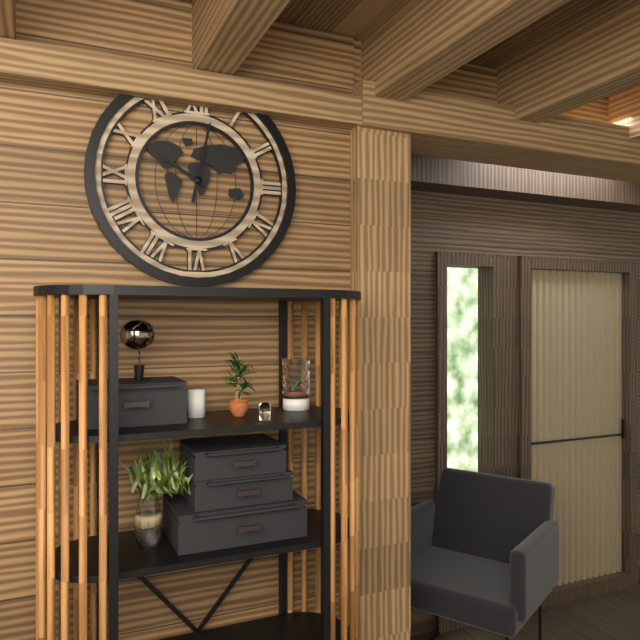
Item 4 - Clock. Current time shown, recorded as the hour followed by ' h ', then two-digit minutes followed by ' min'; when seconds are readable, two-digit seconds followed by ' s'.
10 h 02 min
